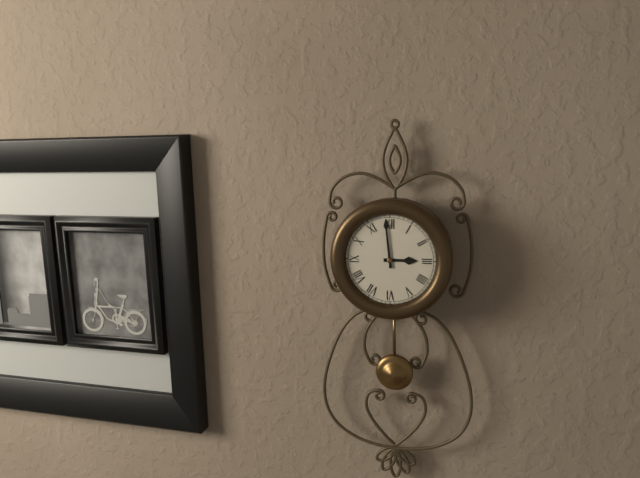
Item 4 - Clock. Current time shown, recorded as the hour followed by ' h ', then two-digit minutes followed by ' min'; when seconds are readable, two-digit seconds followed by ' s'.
2 h 59 min
